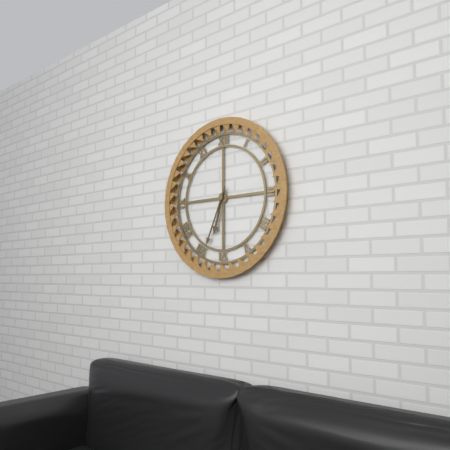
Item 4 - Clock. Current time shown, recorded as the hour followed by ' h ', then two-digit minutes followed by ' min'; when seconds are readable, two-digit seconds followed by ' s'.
6 h 34 min
